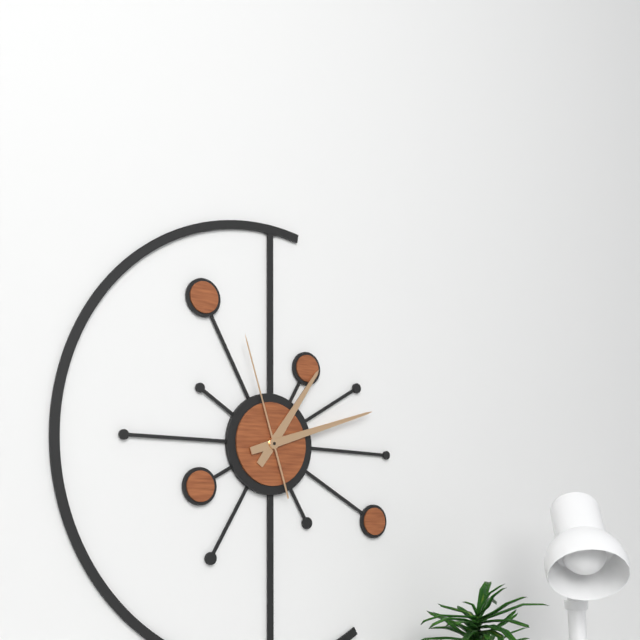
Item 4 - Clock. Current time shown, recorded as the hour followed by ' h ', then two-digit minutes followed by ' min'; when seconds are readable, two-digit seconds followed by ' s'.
1 h 12 min 57 s
